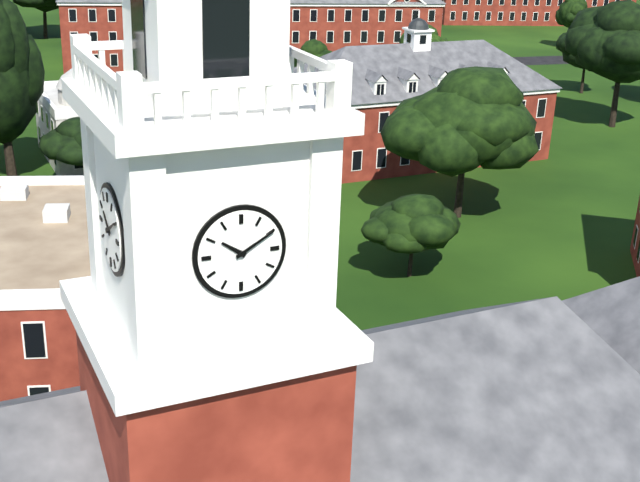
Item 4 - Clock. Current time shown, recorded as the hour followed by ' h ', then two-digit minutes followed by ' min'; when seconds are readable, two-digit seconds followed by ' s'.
10 h 10 min
